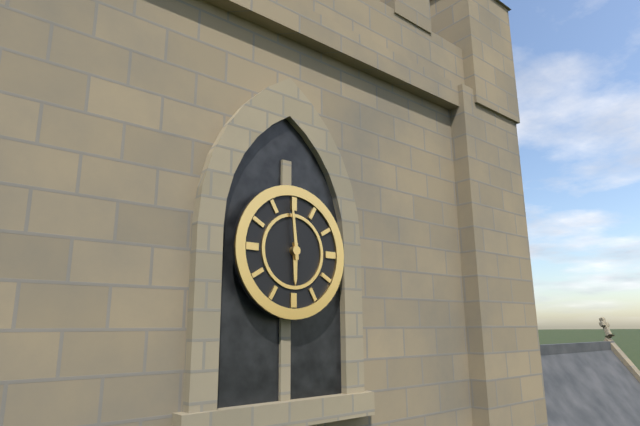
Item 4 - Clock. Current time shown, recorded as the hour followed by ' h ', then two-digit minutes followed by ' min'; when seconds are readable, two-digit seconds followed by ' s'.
5 h 59 min
